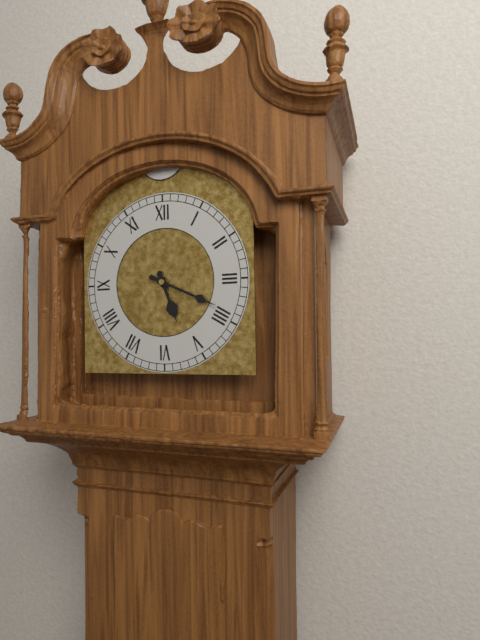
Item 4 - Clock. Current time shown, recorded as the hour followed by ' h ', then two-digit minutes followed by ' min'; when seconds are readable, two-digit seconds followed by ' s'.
5 h 19 min
